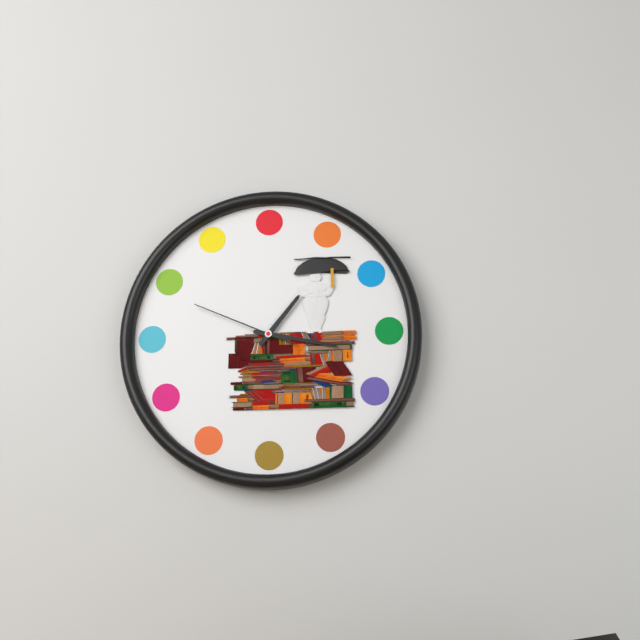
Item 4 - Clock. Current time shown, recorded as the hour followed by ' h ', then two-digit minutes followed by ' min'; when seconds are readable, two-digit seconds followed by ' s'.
1 h 17 min 49 s
